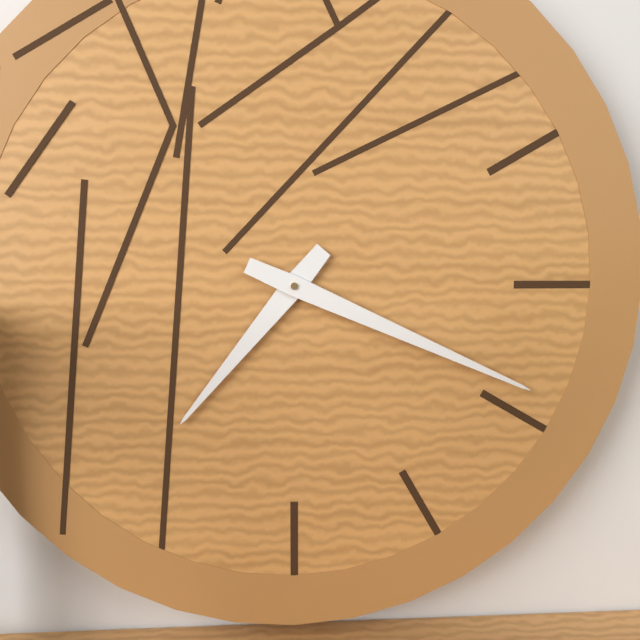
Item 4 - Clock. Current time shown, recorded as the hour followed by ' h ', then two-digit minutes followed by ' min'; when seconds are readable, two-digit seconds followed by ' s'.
7 h 19 min
